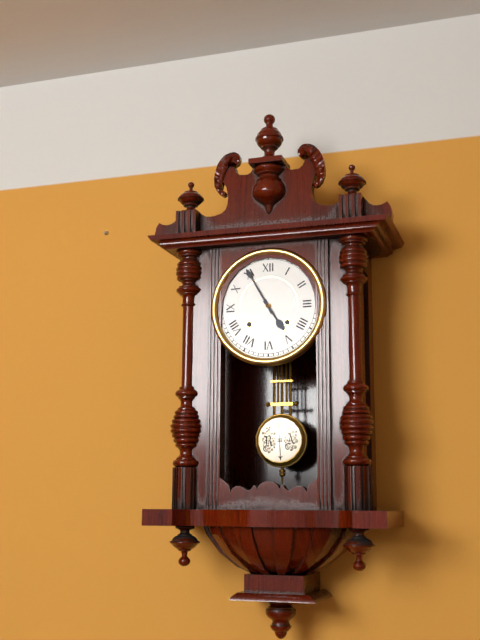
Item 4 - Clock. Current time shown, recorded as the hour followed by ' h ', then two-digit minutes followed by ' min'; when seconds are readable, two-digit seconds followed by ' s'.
4 h 55 min
